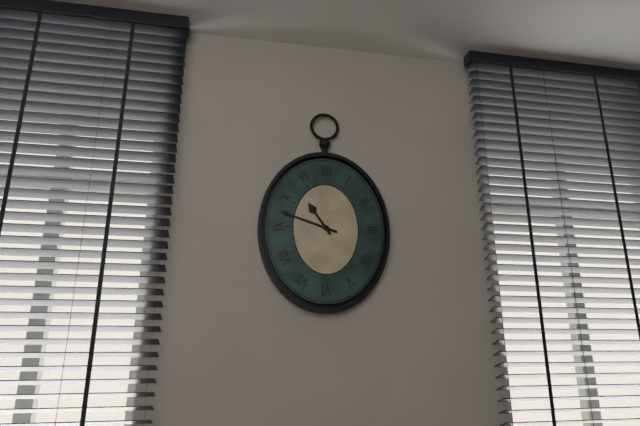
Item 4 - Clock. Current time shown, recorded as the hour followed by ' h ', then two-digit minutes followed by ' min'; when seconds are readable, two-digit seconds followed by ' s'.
10 h 48 min
